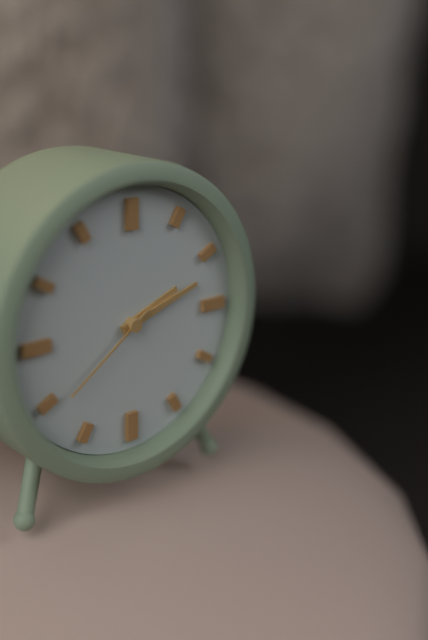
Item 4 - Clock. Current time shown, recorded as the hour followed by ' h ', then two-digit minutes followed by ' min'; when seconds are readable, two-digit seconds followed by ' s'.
2 h 12 min 39 s
